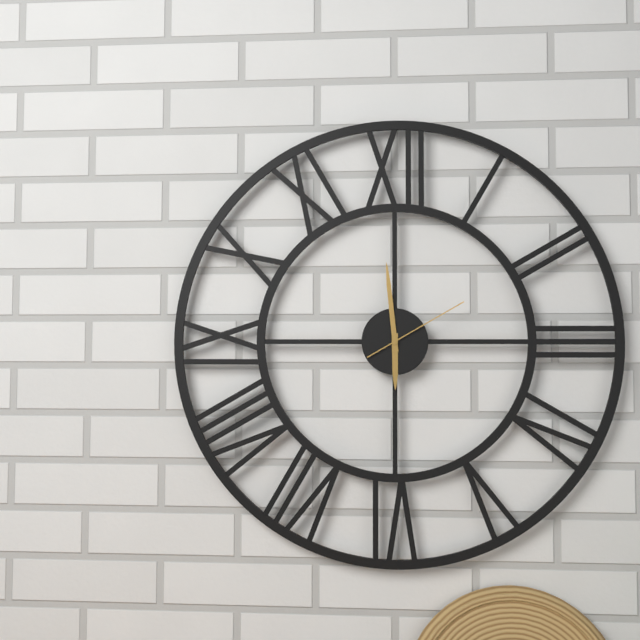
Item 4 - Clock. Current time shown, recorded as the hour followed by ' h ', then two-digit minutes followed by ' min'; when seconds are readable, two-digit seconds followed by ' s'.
5 h 59 min 10 s
